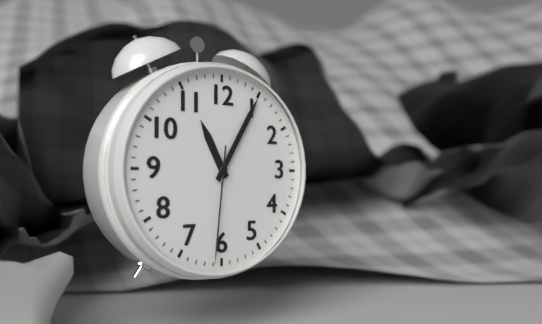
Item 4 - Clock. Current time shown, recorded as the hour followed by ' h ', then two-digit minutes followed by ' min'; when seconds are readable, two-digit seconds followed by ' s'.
11 h 05 min 31 s
